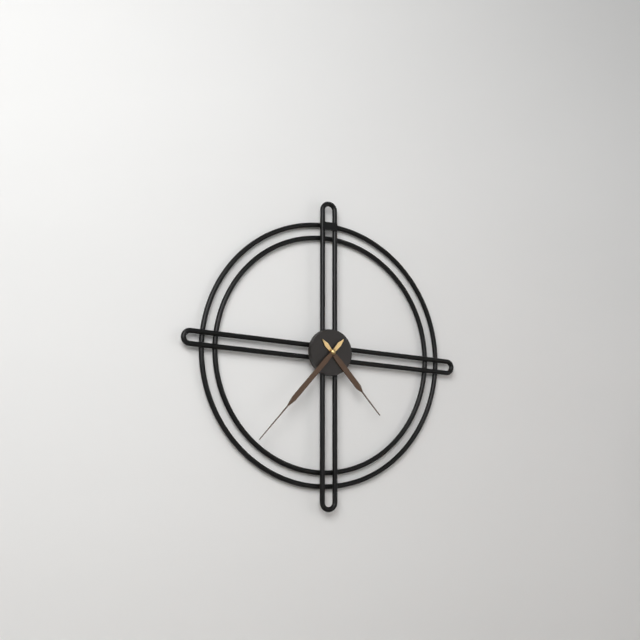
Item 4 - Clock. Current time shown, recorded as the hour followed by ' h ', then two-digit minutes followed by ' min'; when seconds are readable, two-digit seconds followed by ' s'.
4 h 37 min
